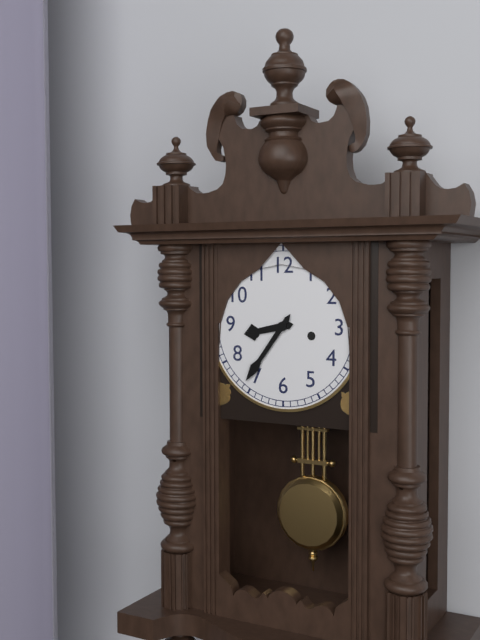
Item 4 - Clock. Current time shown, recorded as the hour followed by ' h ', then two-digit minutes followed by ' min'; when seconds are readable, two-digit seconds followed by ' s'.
8 h 36 min
